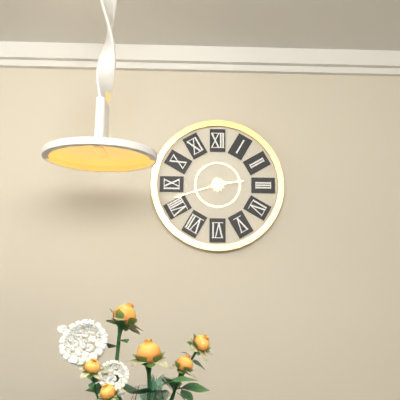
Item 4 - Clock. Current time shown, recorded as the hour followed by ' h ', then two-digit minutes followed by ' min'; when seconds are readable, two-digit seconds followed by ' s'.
2 h 42 min
